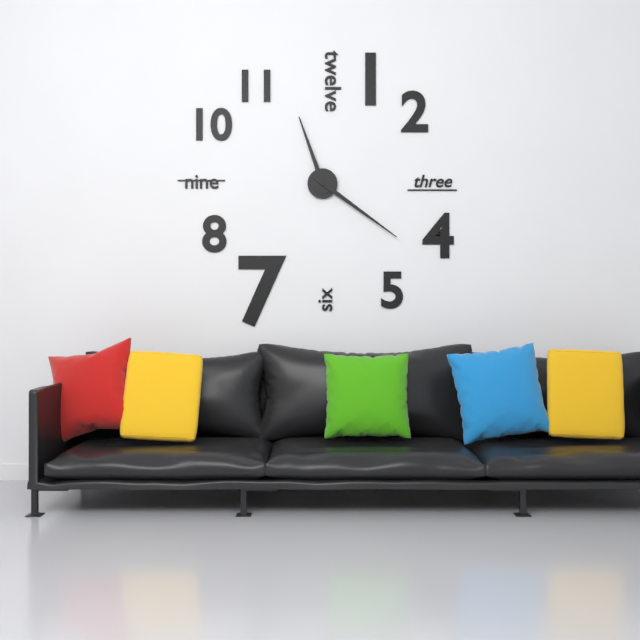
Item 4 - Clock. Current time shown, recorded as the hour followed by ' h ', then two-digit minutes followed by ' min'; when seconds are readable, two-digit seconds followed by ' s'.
11 h 21 min
